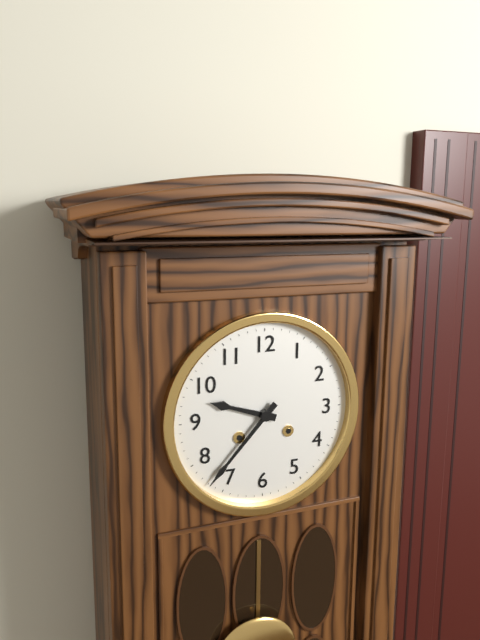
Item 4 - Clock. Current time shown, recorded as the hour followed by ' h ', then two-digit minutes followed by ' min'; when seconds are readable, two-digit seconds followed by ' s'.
9 h 37 min
